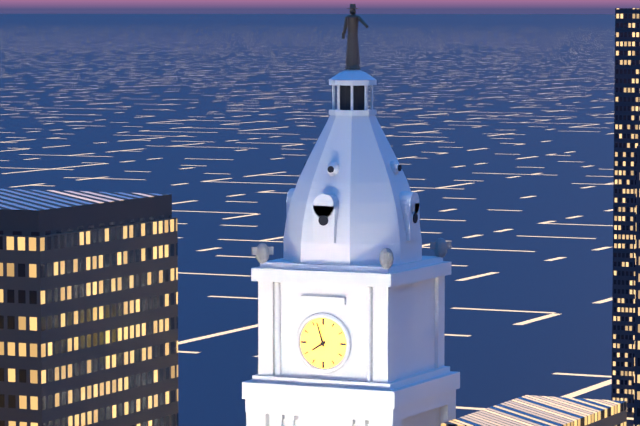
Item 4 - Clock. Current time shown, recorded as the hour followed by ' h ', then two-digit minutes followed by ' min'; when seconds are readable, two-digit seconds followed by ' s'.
7 h 57 min
